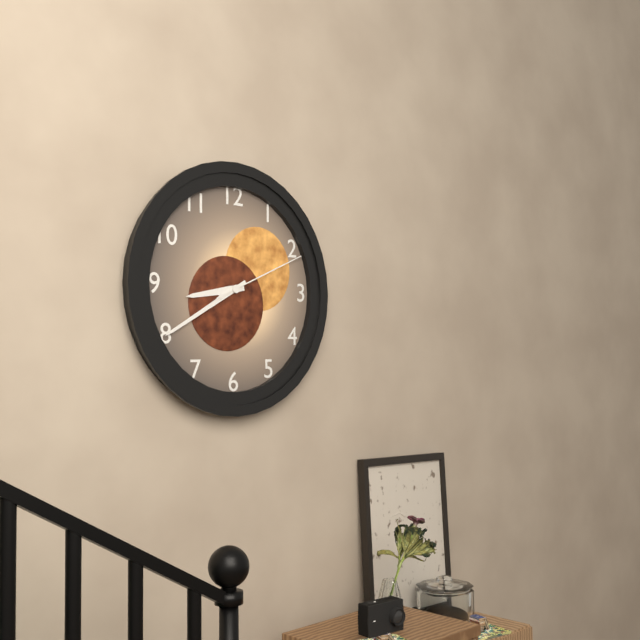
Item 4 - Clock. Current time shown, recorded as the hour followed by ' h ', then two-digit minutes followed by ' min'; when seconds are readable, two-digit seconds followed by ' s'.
8 h 40 min 11 s
